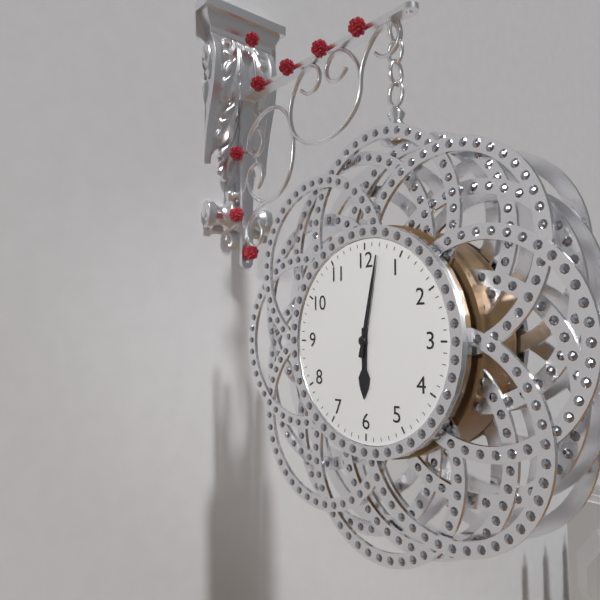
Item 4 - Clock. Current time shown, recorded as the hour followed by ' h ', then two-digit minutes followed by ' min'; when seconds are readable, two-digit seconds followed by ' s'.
6 h 02 min
